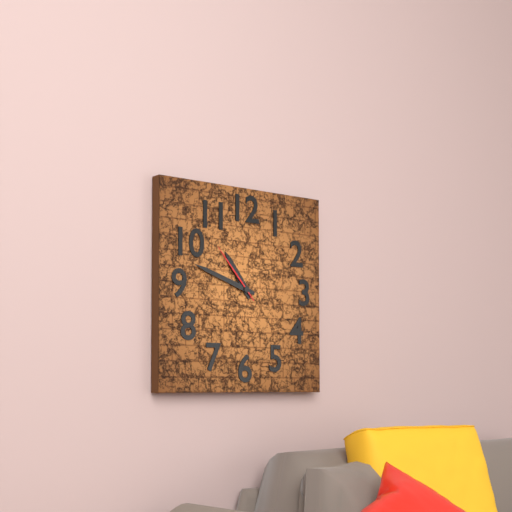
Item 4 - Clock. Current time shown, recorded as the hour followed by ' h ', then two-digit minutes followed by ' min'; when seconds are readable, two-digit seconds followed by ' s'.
10 h 48 min 53 s
